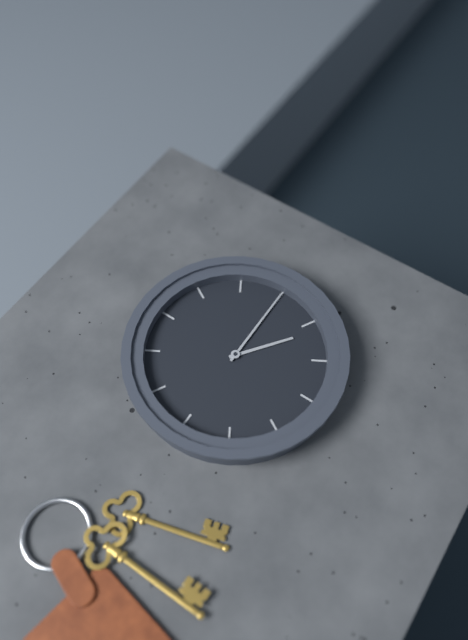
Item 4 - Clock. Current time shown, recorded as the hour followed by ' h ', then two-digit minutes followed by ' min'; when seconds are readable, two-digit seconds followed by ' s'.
4 h 15 min
